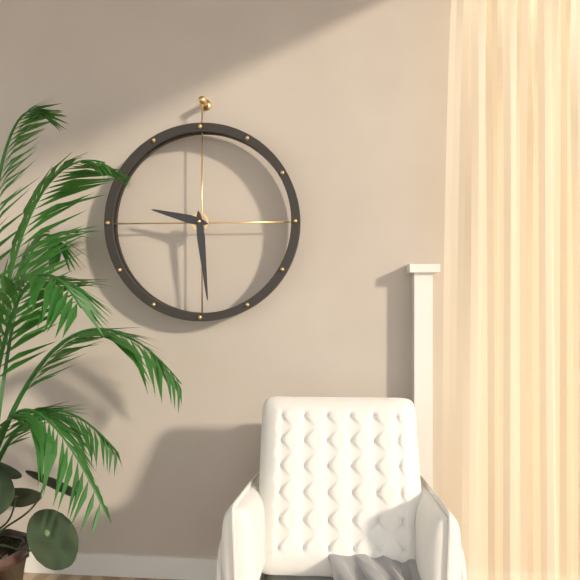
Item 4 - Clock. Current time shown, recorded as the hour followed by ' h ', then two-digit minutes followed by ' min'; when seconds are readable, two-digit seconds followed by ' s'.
9 h 29 min
